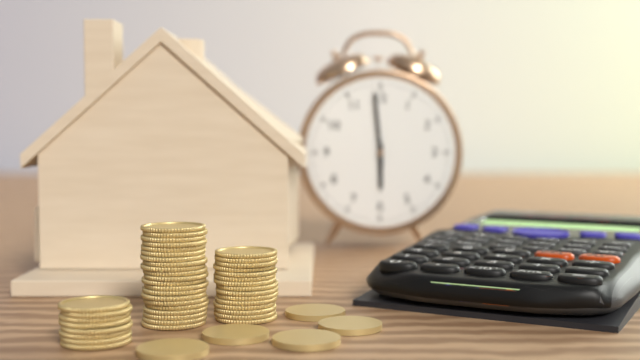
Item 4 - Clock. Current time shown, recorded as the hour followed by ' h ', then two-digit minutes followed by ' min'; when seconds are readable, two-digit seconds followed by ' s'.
5 h 59 min
